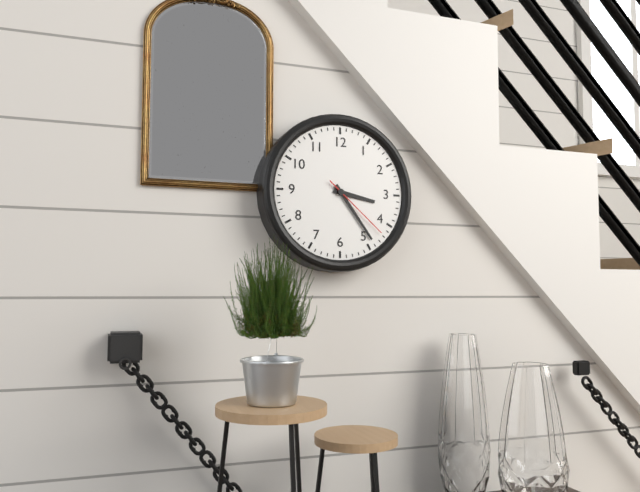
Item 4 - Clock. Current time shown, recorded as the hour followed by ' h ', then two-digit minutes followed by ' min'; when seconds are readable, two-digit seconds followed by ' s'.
3 h 24 min 22 s
